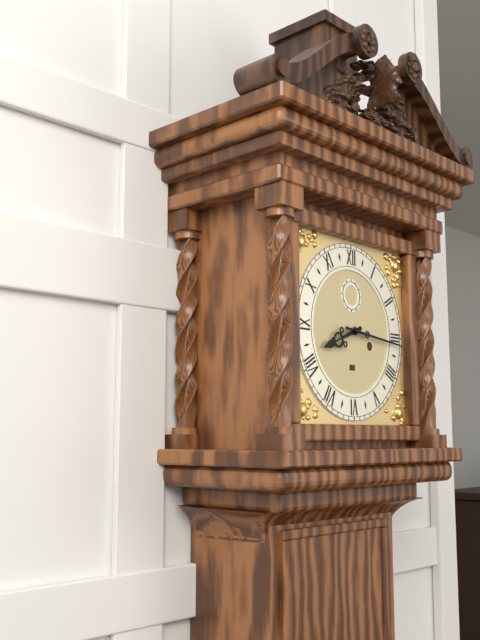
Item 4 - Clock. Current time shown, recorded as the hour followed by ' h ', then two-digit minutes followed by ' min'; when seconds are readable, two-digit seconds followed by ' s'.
8 h 16 min
